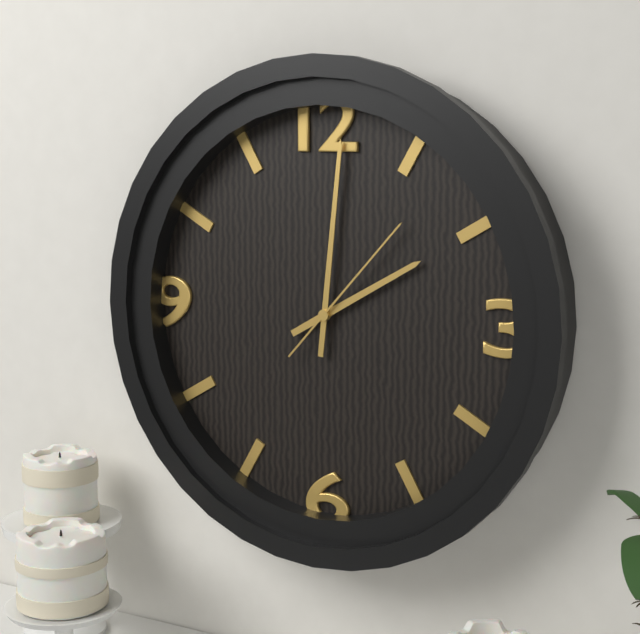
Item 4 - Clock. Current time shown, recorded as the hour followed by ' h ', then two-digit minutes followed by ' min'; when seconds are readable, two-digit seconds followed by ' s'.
2 h 01 min 07 s
